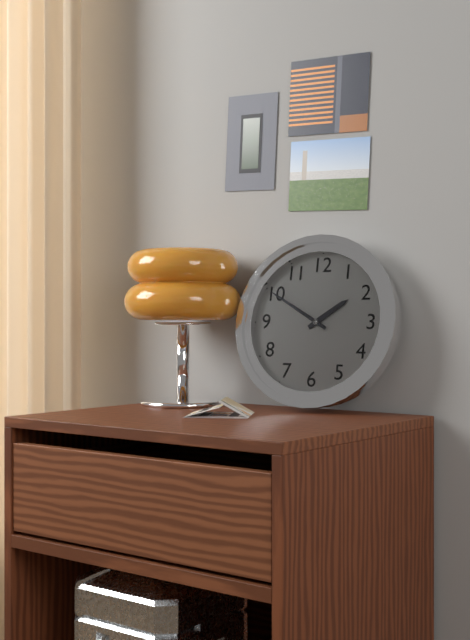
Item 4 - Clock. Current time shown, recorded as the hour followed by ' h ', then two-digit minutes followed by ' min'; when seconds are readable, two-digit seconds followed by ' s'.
1 h 50 min
